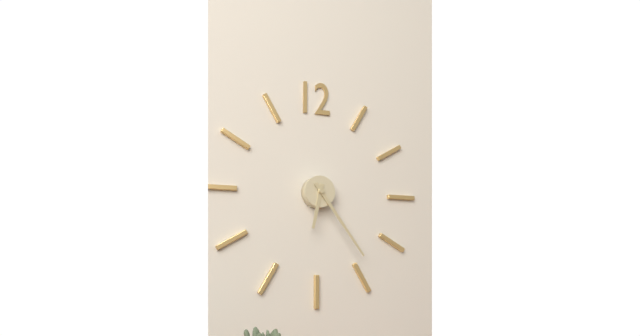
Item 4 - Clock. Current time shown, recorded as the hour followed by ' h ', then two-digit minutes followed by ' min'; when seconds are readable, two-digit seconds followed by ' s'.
6 h 24 min
